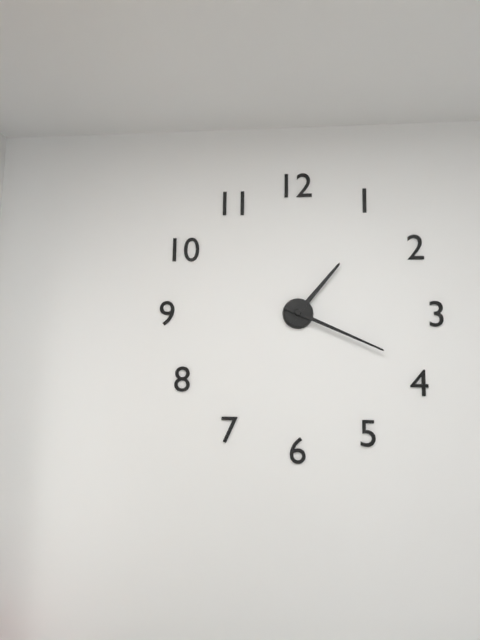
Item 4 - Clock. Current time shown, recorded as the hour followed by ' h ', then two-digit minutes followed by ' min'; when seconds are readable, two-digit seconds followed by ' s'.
1 h 19 min
